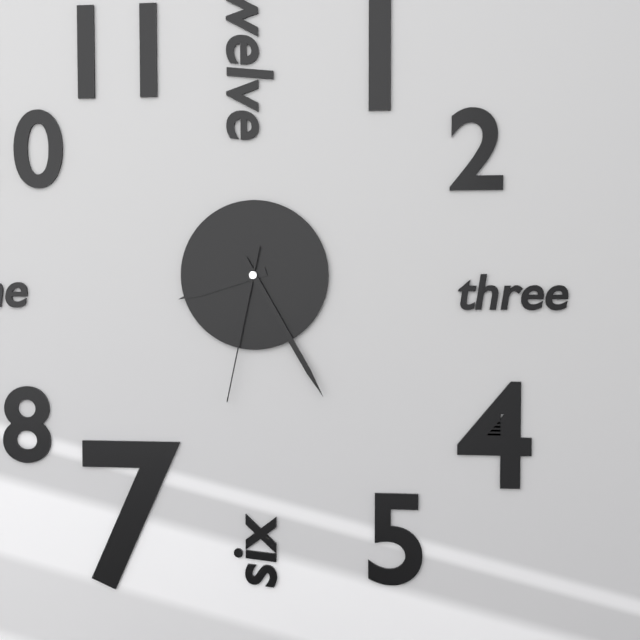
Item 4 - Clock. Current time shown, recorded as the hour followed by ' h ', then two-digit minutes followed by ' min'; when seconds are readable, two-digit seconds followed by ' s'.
8 h 25 min 32 s
